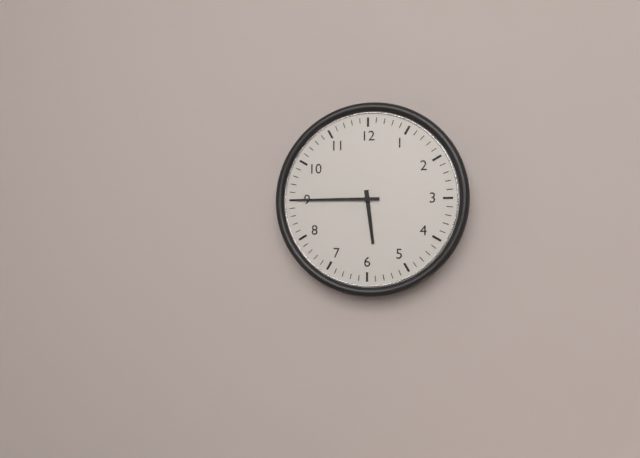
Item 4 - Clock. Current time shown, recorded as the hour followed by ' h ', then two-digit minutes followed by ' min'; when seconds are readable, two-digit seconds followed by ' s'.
5 h 45 min
